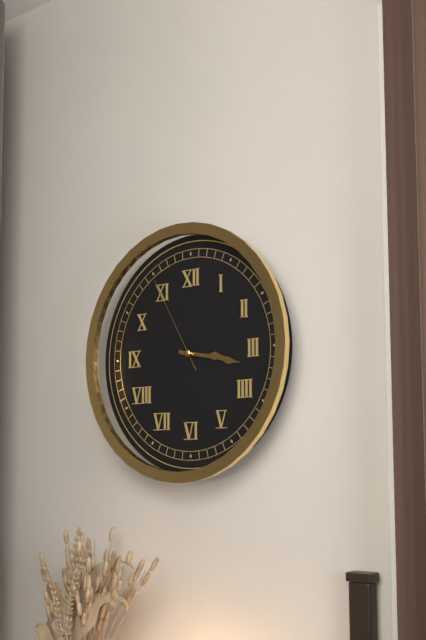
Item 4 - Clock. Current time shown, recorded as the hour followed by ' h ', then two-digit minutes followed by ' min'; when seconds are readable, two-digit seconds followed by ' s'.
3 h 17 min 55 s
